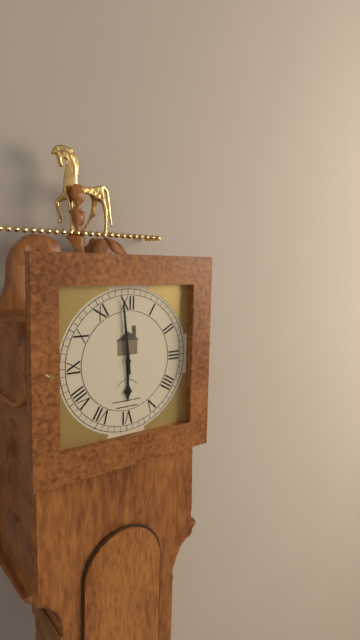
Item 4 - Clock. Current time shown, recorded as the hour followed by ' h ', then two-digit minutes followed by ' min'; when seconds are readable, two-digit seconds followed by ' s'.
5 h 59 min
